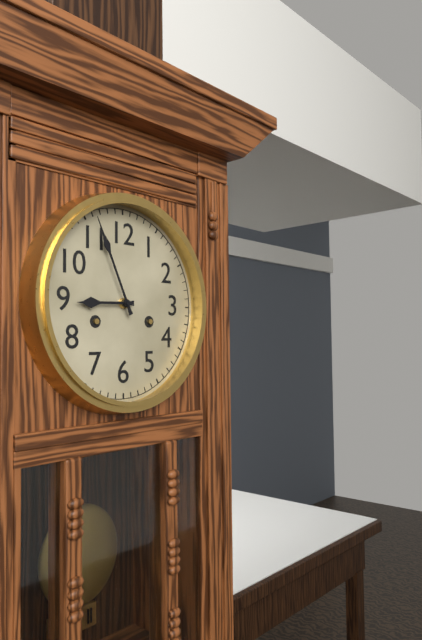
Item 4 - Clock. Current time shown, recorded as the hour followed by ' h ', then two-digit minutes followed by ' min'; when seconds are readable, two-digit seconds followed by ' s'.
8 h 56 min
